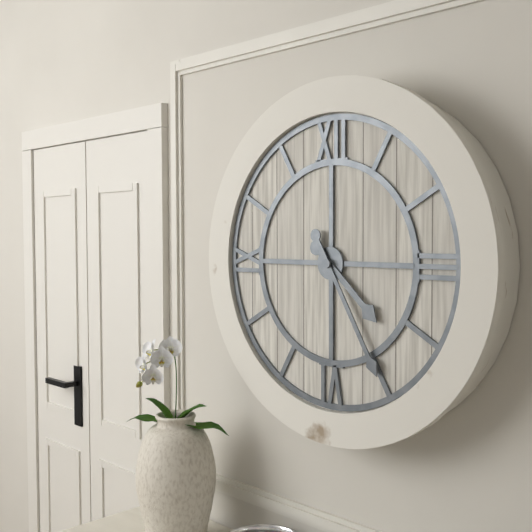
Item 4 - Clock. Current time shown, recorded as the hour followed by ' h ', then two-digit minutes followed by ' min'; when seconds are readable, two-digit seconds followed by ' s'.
4 h 25 min
